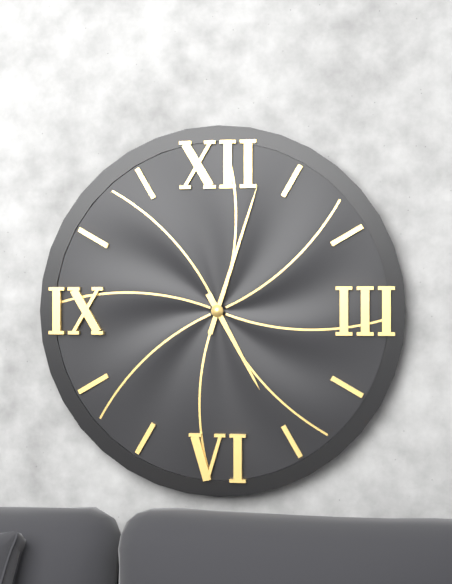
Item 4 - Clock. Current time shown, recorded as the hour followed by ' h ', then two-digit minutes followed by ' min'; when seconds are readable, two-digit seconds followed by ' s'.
5 h 03 min
